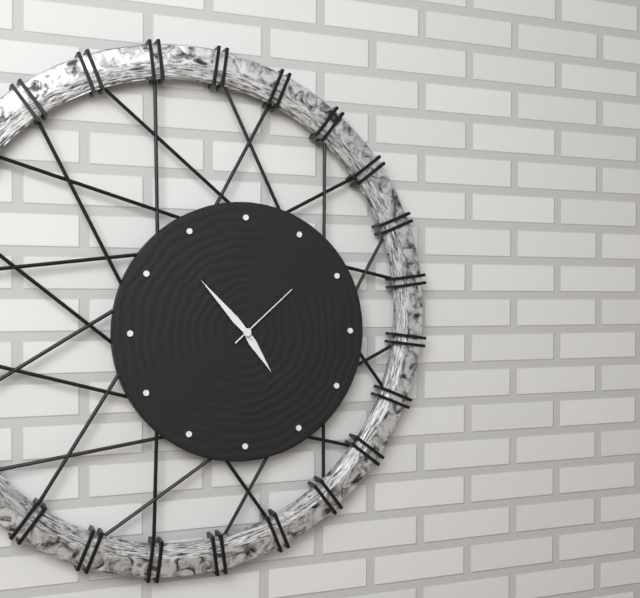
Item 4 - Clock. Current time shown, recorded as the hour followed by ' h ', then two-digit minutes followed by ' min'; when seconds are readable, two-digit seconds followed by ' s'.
4 h 53 min 08 s
